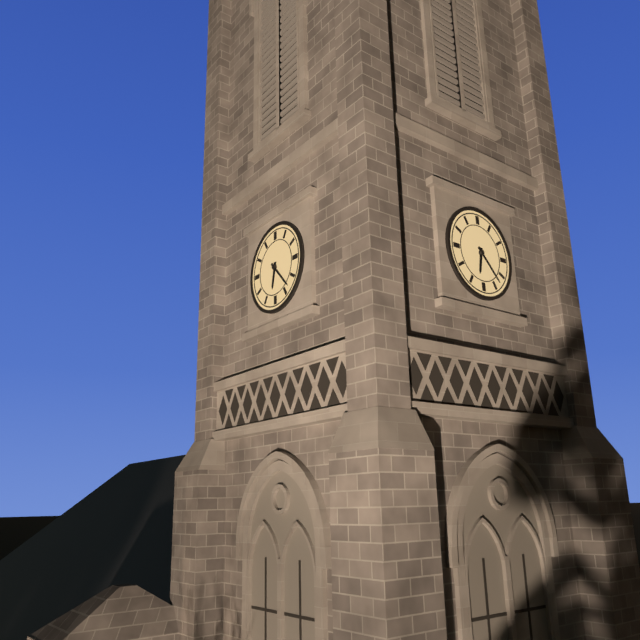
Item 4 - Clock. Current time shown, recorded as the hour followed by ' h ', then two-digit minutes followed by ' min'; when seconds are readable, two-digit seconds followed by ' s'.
6 h 23 min
